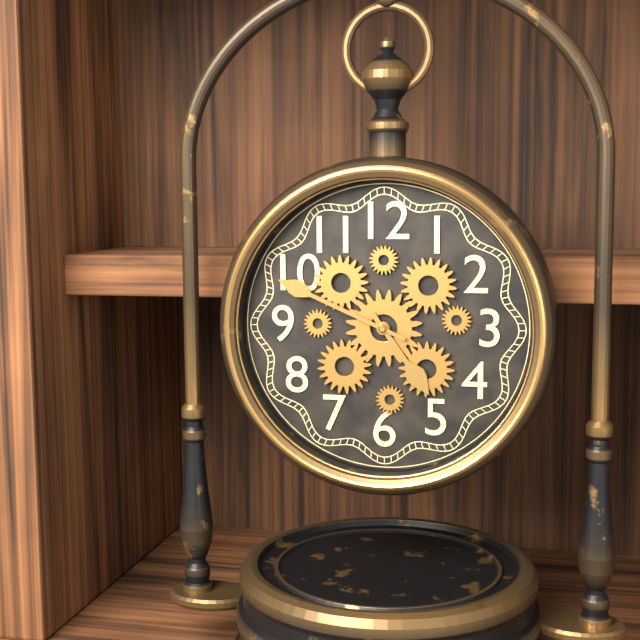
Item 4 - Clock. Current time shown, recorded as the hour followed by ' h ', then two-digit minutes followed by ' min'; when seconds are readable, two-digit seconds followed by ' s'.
4 h 49 min
